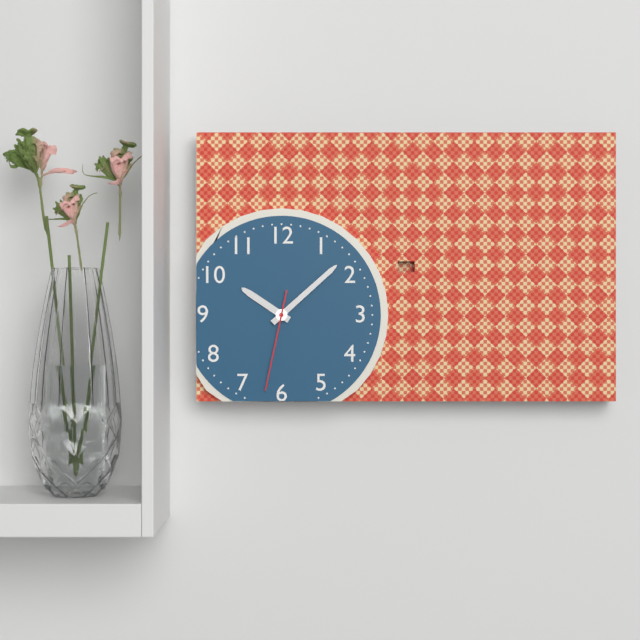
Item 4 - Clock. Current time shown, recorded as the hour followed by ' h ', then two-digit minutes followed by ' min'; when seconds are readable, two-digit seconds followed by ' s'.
10 h 08 min 32 s
